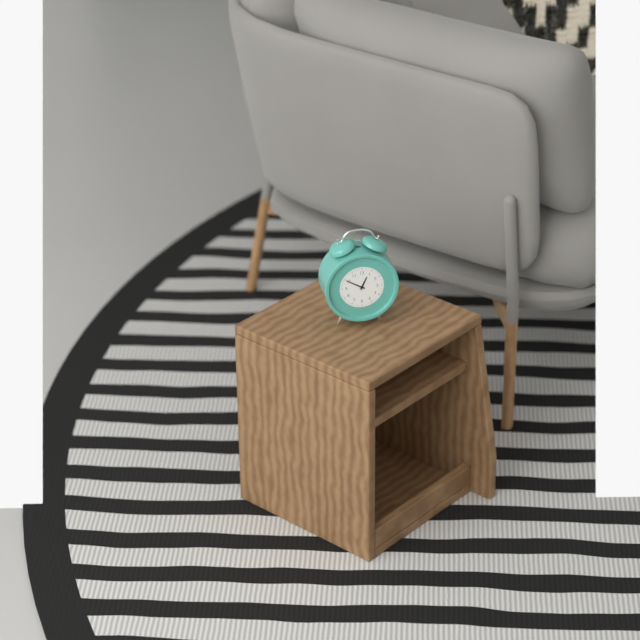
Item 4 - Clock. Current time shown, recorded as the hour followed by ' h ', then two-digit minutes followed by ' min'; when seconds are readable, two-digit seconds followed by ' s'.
12 h 50 min
